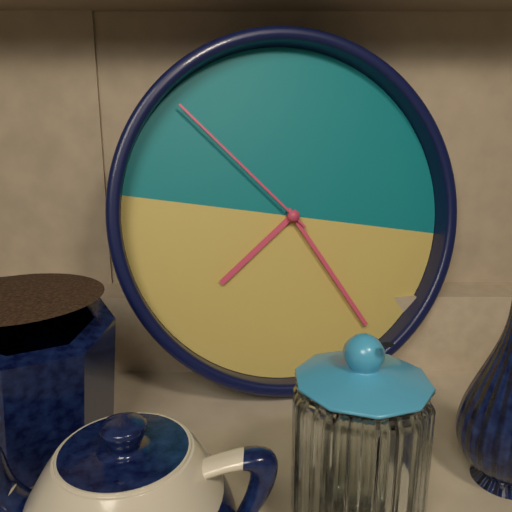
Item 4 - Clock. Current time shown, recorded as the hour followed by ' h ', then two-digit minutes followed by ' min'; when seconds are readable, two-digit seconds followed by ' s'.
7 h 23 min 51 s
